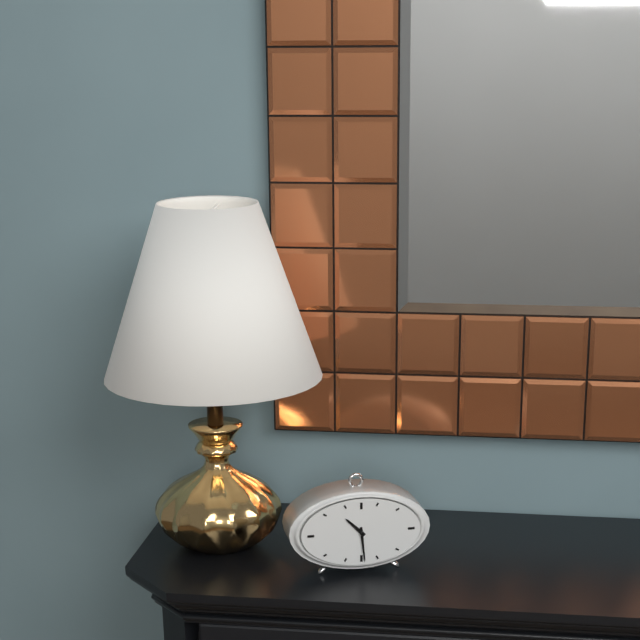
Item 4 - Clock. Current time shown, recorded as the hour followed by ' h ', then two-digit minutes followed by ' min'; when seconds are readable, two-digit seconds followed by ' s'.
10 h 29 min
